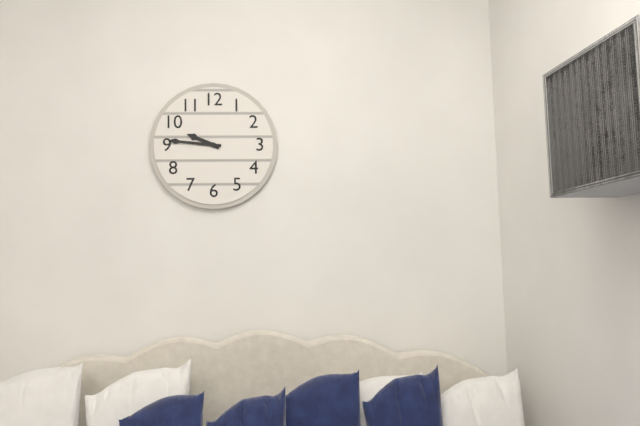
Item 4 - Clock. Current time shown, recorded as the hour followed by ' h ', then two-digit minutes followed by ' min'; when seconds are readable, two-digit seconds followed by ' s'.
9 h 46 min
